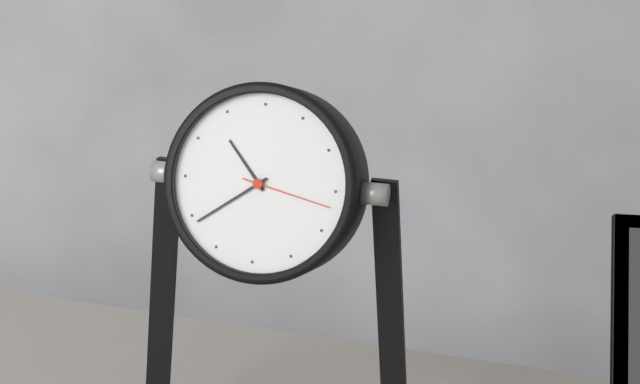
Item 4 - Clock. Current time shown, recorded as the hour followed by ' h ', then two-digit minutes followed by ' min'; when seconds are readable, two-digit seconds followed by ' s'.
10 h 39 min 17 s
